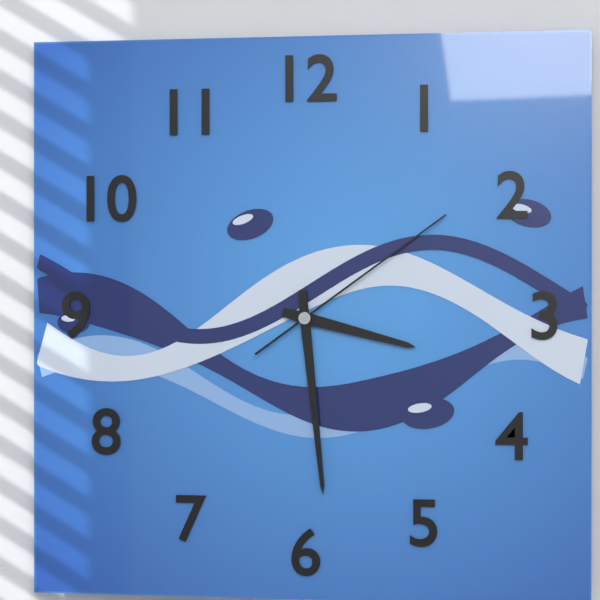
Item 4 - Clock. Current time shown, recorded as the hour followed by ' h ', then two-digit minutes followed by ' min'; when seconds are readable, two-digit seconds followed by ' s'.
3 h 29 min 09 s
